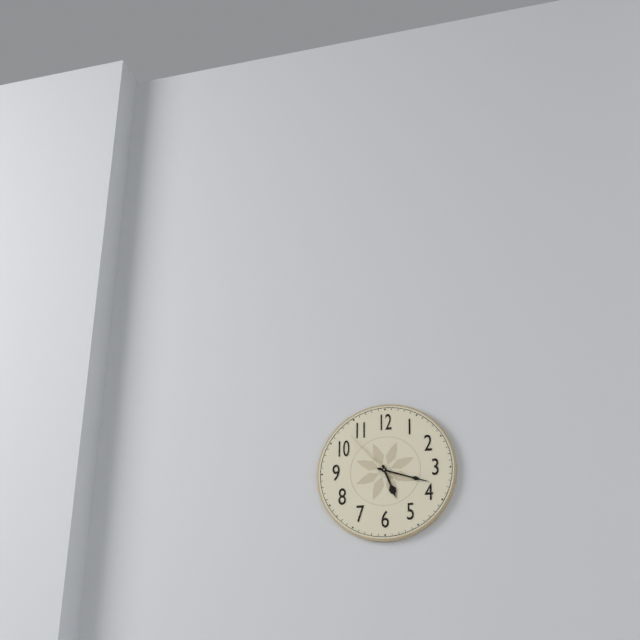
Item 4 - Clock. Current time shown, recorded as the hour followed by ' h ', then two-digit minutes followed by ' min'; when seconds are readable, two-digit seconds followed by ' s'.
5 h 18 min 53 s
